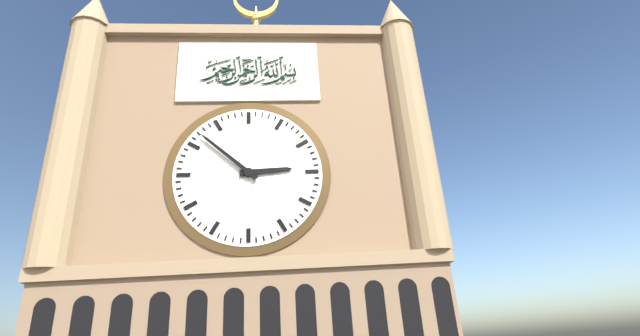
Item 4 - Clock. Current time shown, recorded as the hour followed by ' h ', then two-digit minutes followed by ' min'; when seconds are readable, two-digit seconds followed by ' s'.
2 h 52 min
